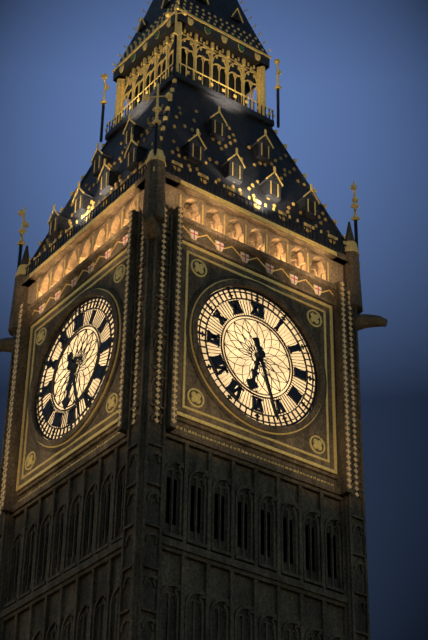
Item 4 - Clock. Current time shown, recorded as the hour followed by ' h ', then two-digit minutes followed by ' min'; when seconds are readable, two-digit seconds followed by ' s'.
6 h 27 min
